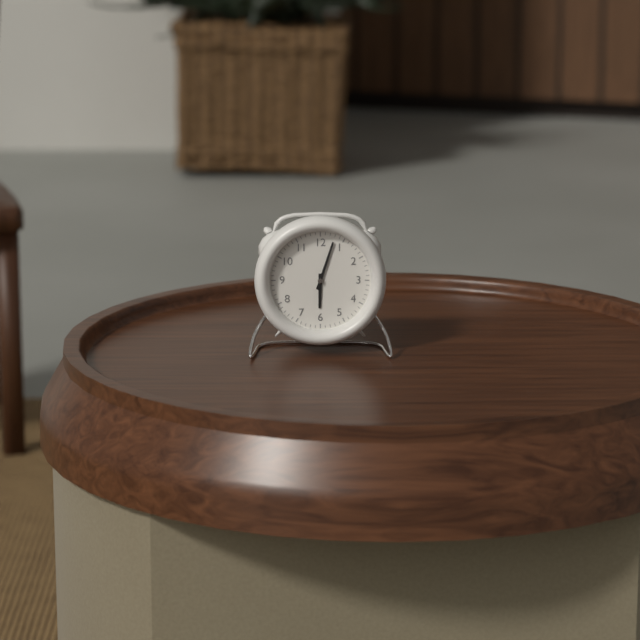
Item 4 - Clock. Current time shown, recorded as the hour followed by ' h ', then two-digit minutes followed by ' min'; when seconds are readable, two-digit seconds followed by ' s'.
6 h 03 min
